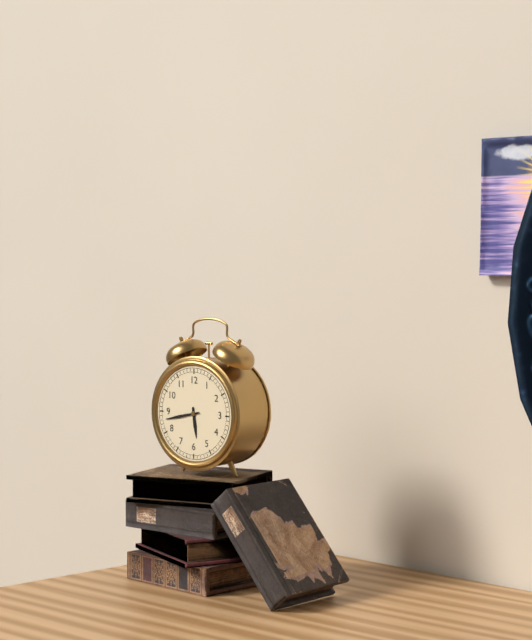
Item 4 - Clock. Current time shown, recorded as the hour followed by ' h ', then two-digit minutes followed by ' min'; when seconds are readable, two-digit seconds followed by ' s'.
5 h 43 min
